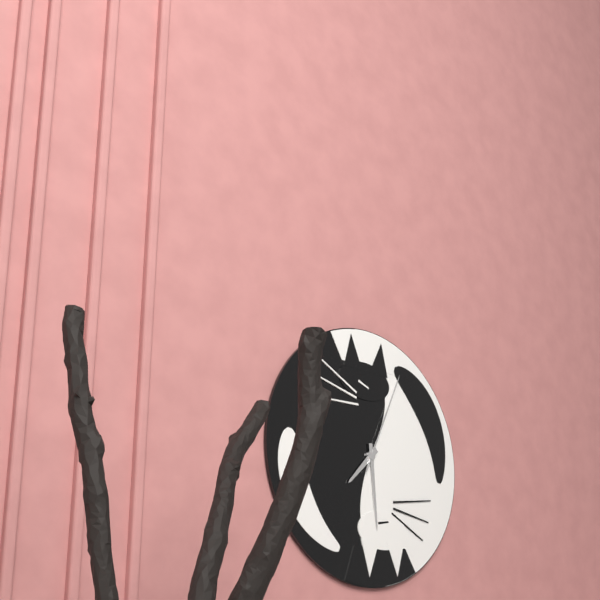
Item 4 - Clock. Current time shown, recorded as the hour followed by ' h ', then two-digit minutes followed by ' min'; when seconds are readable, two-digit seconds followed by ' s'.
7 h 29 min 04 s
